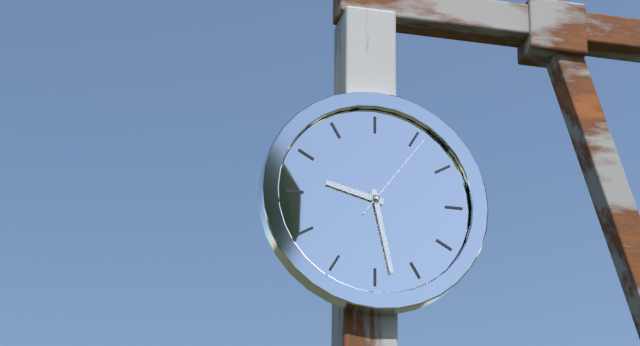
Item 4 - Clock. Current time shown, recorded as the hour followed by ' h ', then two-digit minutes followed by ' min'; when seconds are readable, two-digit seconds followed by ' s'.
9 h 28 min 06 s
